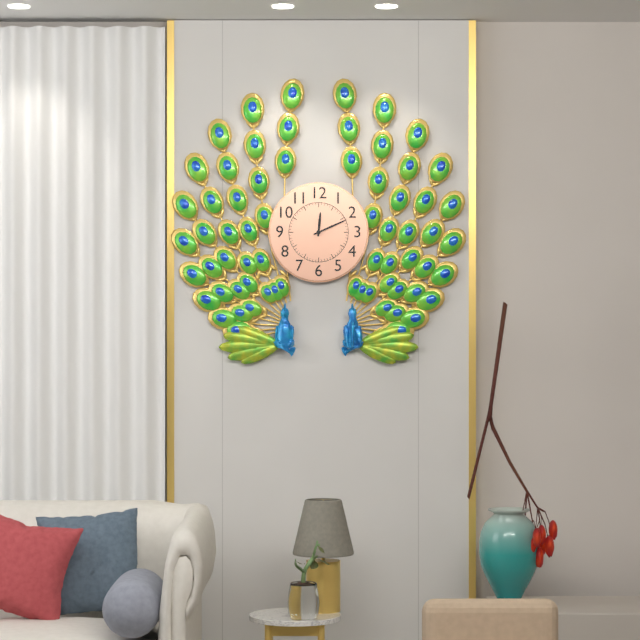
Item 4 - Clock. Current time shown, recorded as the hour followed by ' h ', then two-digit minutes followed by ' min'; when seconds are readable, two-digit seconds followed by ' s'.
12 h 11 min
